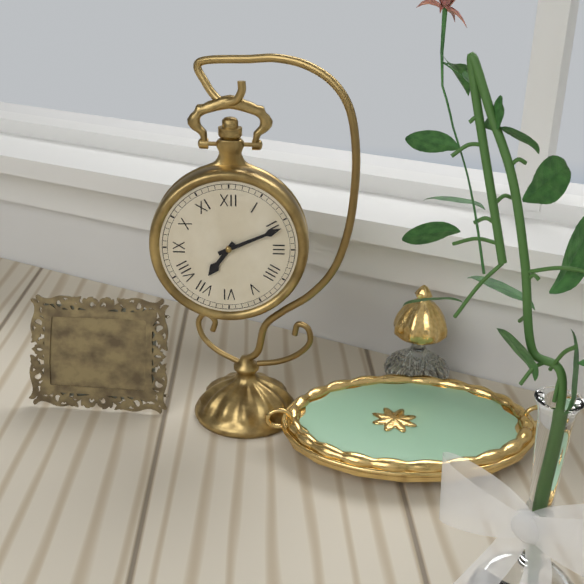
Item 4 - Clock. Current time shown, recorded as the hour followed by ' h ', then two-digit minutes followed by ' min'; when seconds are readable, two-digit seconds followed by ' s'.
7 h 11 min
